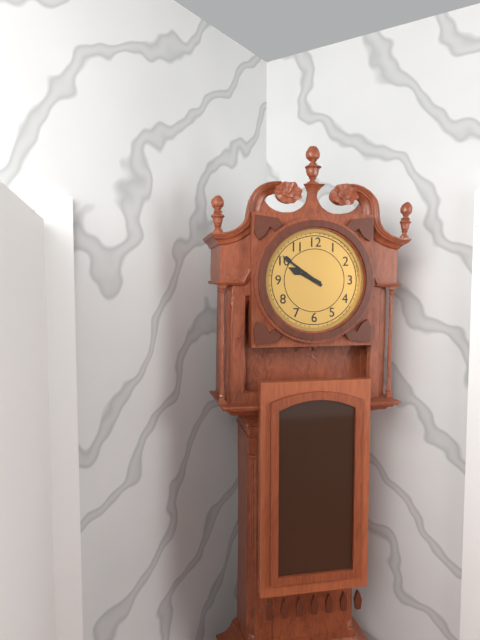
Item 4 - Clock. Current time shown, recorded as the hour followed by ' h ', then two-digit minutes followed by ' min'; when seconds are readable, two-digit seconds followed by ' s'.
9 h 51 min
